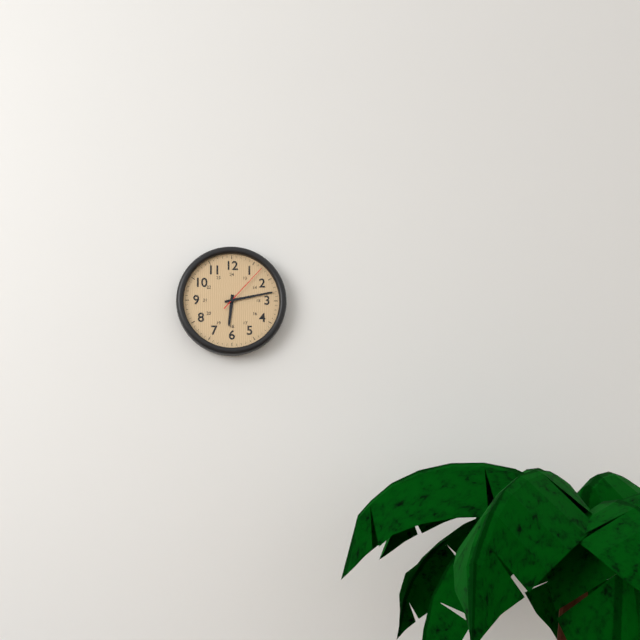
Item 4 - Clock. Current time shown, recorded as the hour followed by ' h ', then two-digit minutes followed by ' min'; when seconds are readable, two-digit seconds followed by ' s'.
6 h 13 min 07 s
